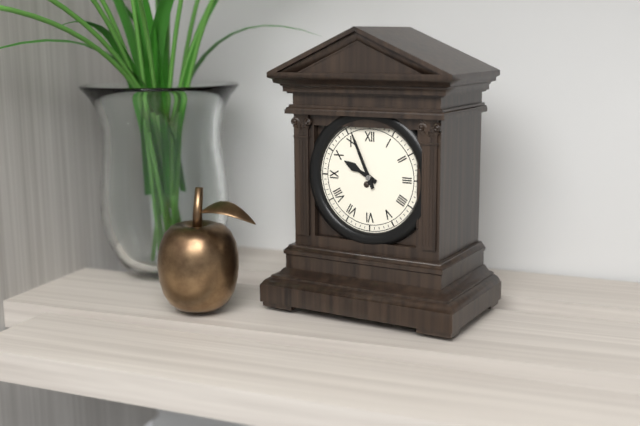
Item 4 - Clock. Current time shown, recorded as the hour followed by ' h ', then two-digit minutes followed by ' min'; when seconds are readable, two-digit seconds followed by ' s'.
9 h 56 min
